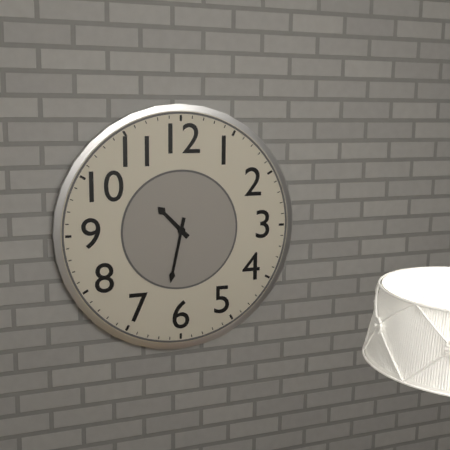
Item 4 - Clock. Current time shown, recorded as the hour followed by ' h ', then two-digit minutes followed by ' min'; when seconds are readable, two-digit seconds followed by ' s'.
10 h 32 min
